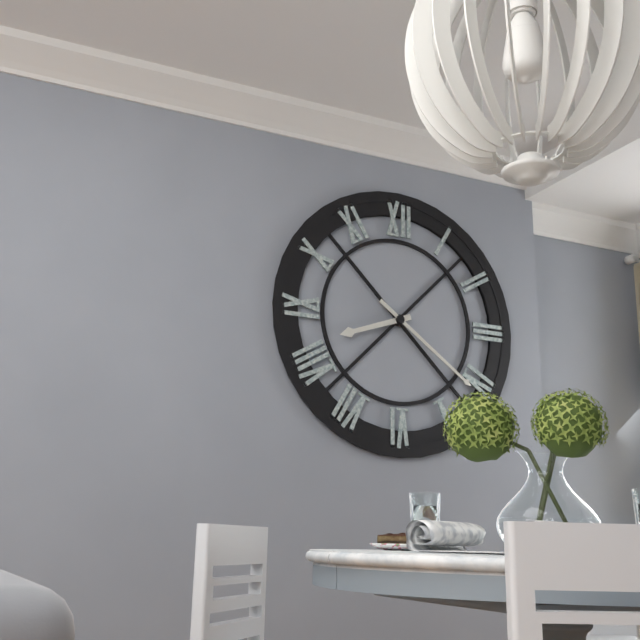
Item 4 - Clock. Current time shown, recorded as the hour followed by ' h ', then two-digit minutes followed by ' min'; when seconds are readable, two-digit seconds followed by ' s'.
8 h 21 min
